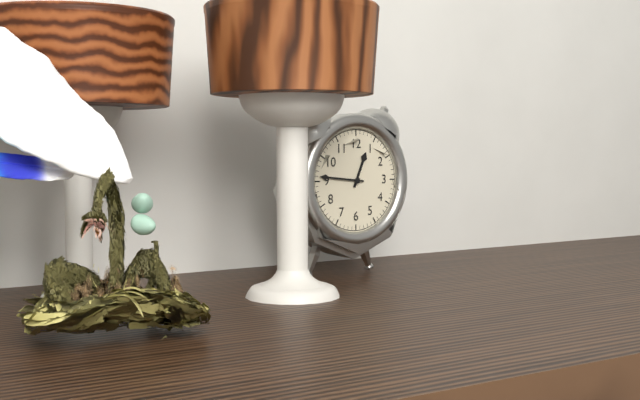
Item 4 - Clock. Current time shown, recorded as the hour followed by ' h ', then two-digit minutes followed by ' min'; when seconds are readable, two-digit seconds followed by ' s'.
12 h 46 min
